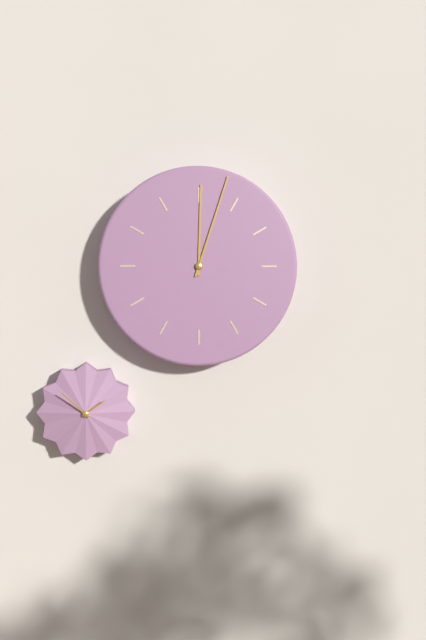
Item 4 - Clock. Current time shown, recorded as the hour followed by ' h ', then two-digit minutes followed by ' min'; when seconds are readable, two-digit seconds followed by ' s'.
12 h 03 min
